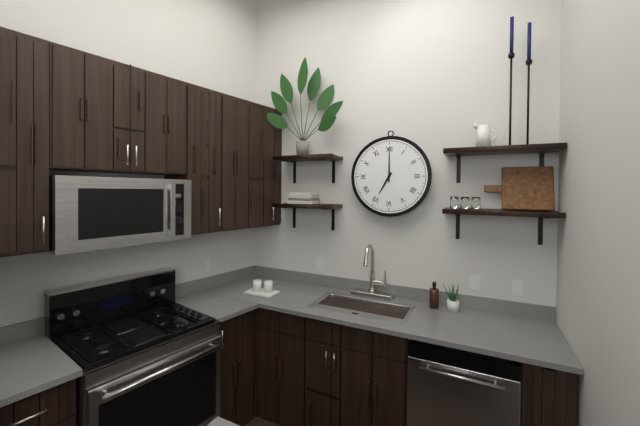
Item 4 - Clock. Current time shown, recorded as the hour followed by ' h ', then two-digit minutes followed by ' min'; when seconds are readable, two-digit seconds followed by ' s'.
7 h 00 min
